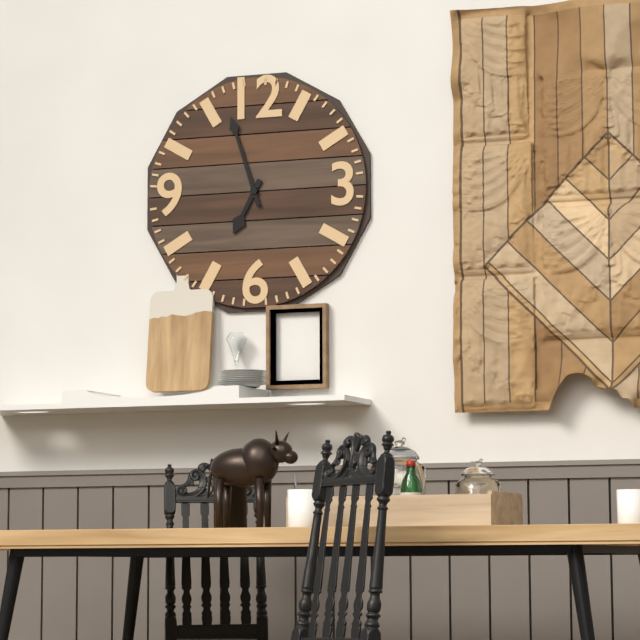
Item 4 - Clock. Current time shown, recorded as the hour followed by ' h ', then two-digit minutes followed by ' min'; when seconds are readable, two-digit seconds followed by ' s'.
6 h 57 min
